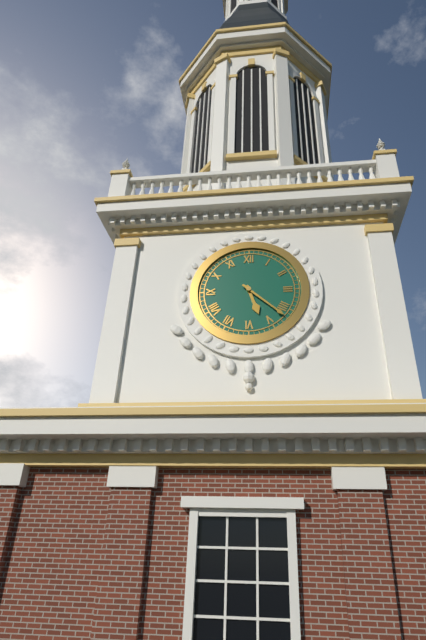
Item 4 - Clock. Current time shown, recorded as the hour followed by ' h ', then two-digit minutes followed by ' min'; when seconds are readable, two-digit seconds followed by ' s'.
5 h 22 min
